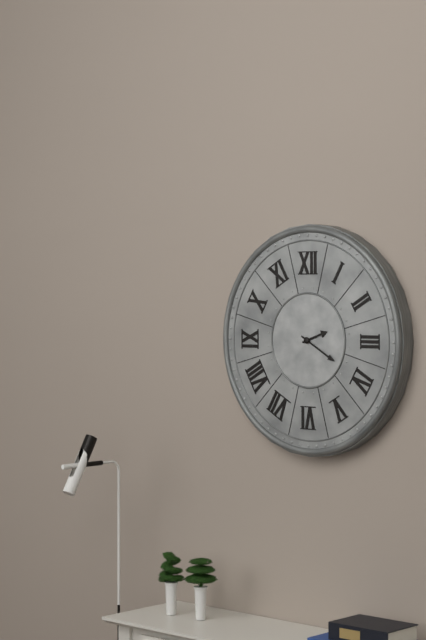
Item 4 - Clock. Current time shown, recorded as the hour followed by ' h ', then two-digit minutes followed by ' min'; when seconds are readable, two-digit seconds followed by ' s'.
2 h 20 min
